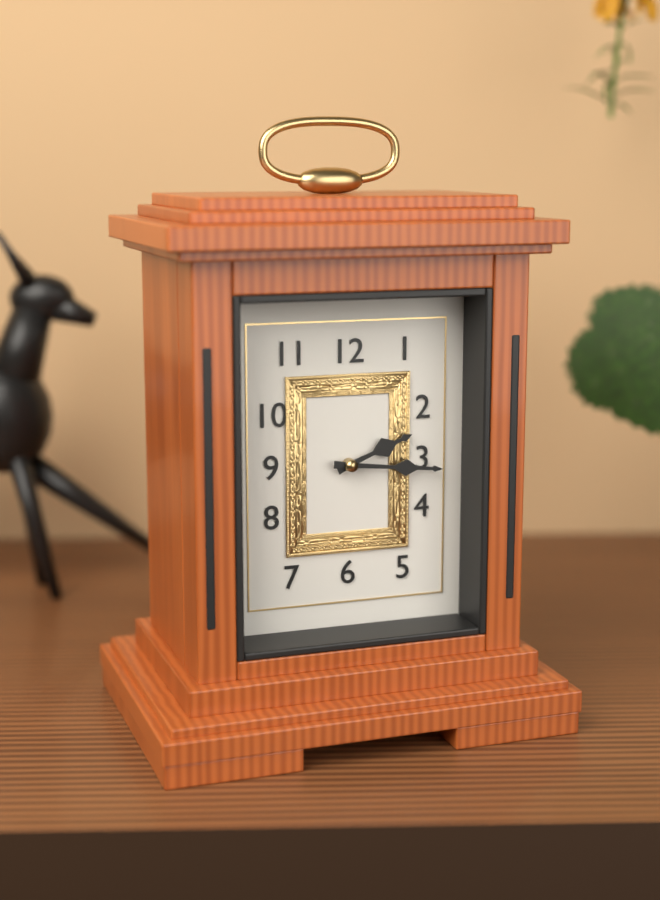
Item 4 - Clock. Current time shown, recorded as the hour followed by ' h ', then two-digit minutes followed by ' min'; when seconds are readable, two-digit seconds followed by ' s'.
2 h 16 min
